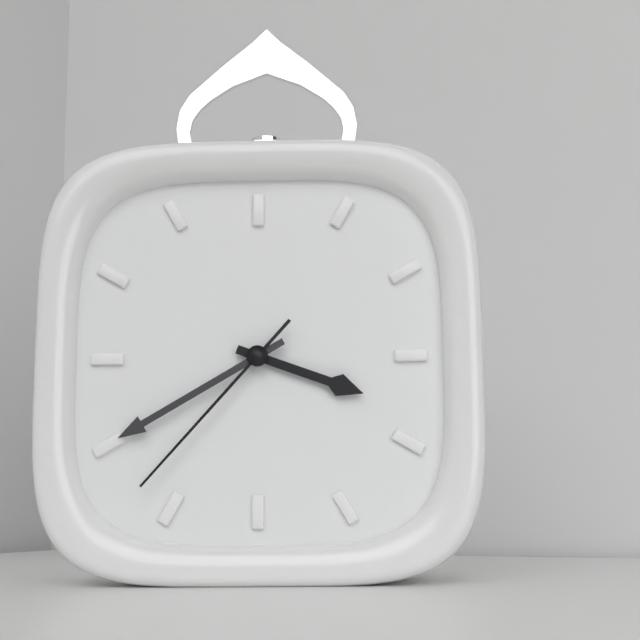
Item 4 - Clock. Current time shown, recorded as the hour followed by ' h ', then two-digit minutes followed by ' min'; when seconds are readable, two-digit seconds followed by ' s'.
3 h 40 min 37 s
